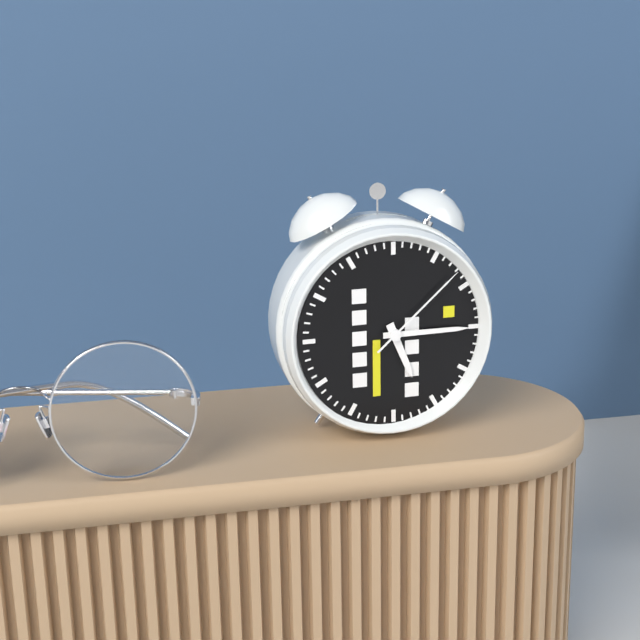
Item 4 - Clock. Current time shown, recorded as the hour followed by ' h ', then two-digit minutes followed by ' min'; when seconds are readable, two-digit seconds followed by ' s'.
5 h 15 min 08 s
